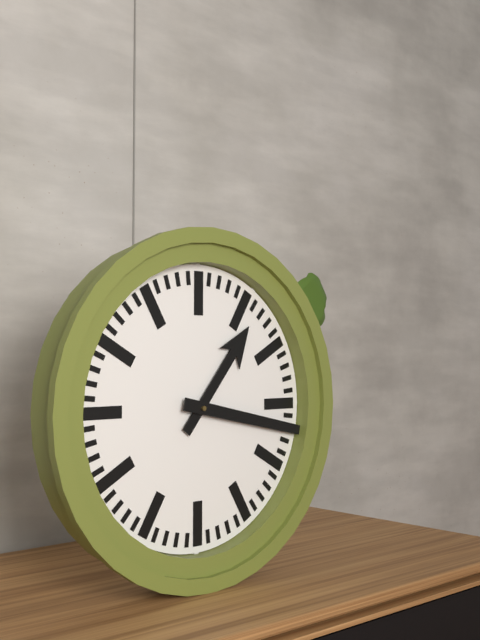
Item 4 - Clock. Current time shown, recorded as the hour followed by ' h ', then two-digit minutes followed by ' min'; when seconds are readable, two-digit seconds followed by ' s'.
1 h 17 min
